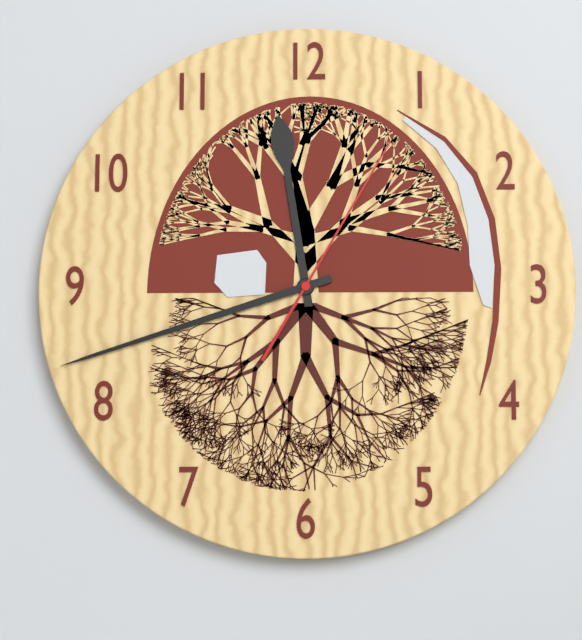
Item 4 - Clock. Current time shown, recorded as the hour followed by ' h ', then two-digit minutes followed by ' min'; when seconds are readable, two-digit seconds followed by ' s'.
11 h 42 min 05 s
